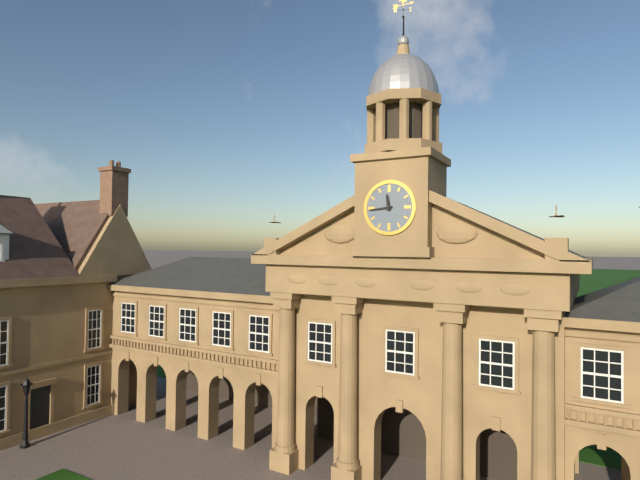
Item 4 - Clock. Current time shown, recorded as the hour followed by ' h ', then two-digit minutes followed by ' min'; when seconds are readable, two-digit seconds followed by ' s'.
11 h 44 min
